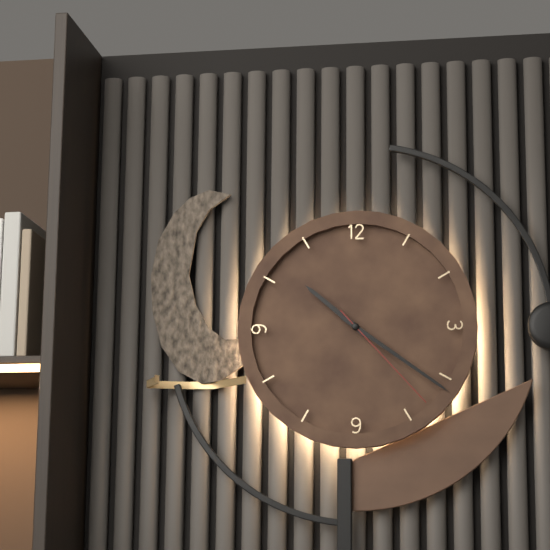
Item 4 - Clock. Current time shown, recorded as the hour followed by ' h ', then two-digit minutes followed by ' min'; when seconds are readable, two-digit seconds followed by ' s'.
10 h 21 min 23 s
